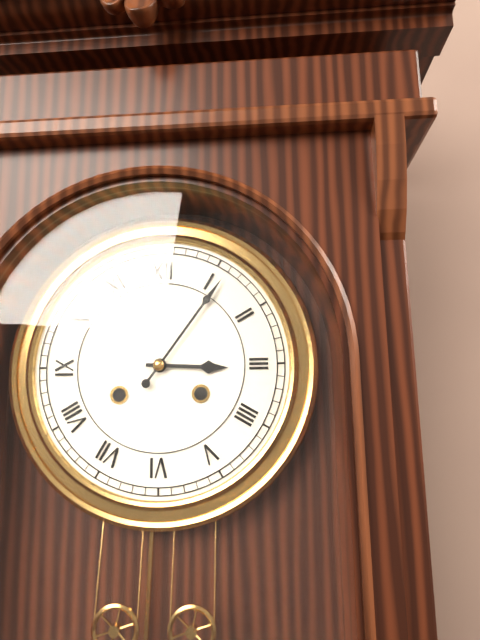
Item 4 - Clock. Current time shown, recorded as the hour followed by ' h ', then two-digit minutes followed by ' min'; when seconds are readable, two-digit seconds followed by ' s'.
3 h 06 min
